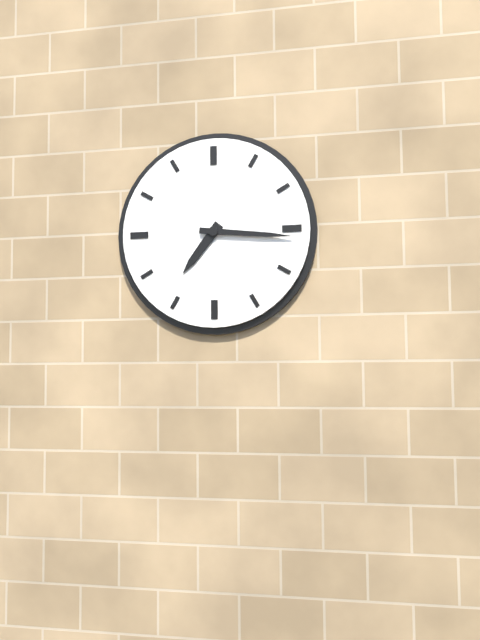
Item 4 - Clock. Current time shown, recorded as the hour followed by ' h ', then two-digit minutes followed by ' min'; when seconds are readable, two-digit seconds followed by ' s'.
7 h 16 min
